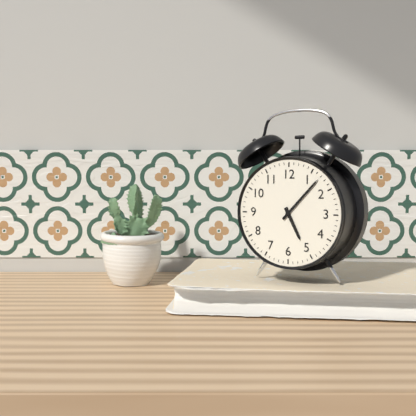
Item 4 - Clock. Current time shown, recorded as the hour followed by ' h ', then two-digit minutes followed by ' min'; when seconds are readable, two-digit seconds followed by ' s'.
5 h 07 min
